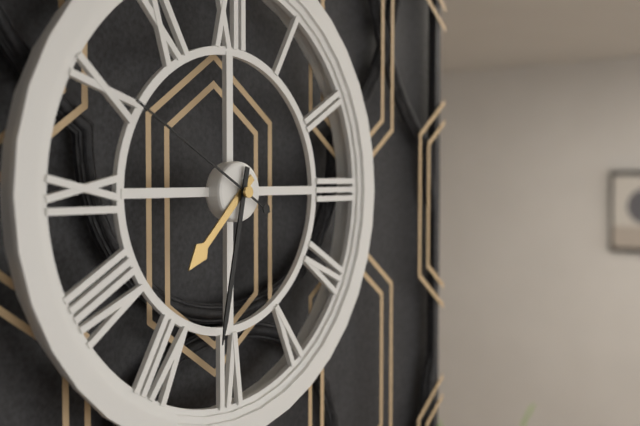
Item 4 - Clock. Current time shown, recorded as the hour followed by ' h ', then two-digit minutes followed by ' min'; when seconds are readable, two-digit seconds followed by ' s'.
7 h 32 min 50 s
